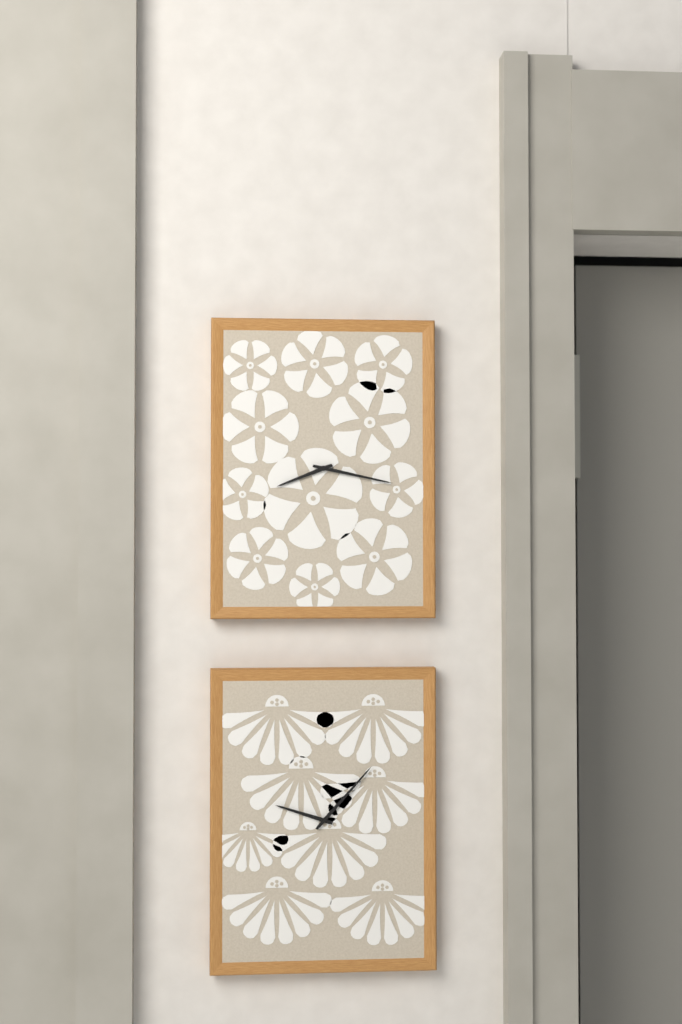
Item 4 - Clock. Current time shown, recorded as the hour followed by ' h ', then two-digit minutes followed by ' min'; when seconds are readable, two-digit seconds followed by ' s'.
8 h 17 min
